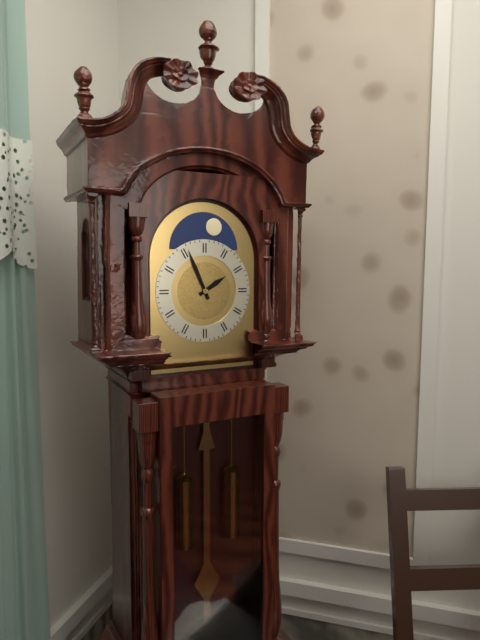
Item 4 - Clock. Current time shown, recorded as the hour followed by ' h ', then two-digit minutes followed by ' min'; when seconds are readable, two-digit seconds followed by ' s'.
1 h 56 min
